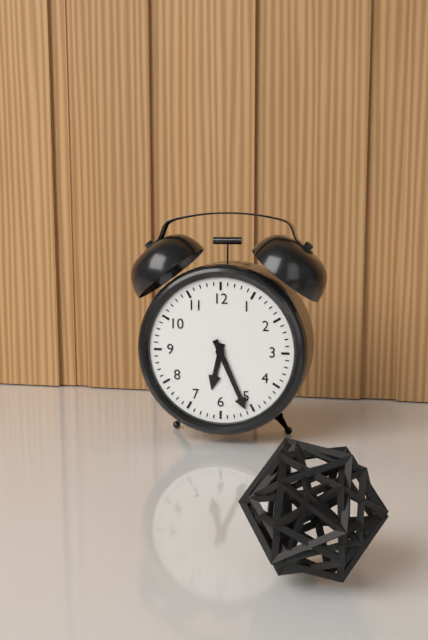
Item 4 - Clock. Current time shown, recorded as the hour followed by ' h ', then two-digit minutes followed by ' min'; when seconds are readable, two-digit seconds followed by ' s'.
6 h 26 min
